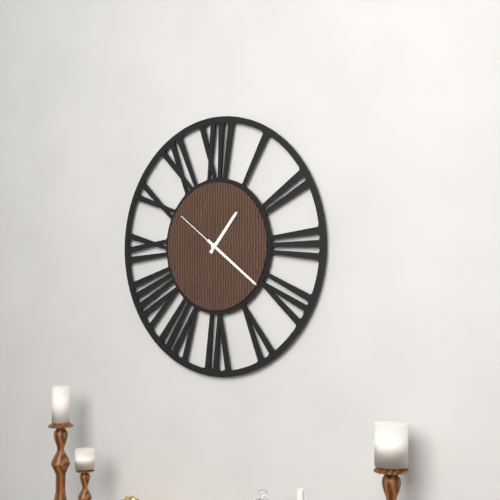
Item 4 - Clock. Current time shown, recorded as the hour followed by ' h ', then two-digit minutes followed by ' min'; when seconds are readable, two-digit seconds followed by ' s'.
1 h 21 min 51 s
